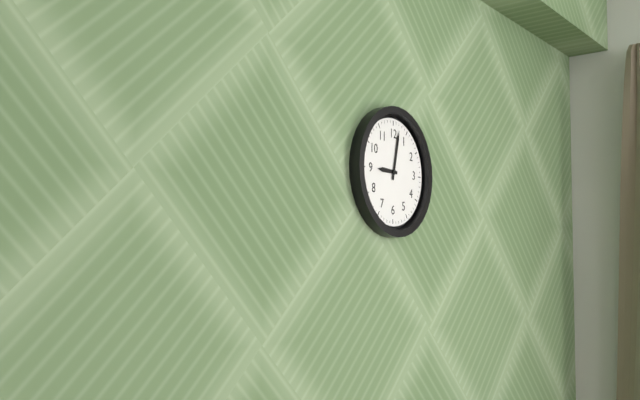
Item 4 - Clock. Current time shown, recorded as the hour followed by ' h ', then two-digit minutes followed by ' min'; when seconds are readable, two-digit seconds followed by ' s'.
9 h 02 min
